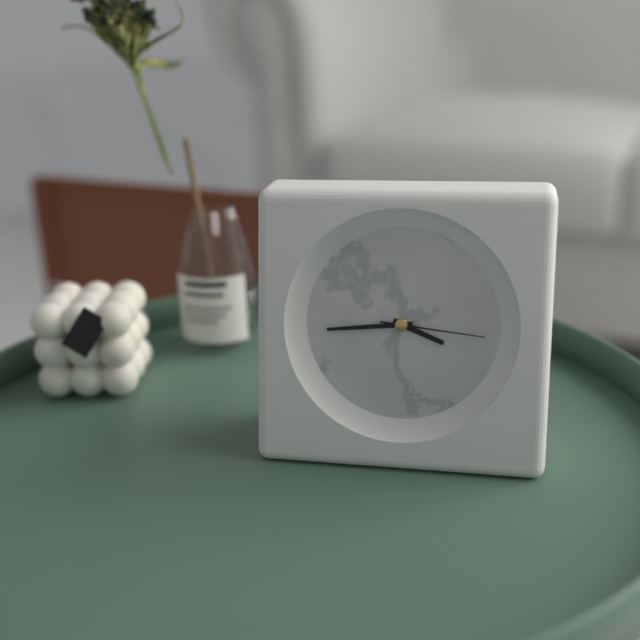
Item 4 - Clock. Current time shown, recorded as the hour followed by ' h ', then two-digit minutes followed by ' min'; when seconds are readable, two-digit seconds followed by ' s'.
3 h 44 min 16 s
